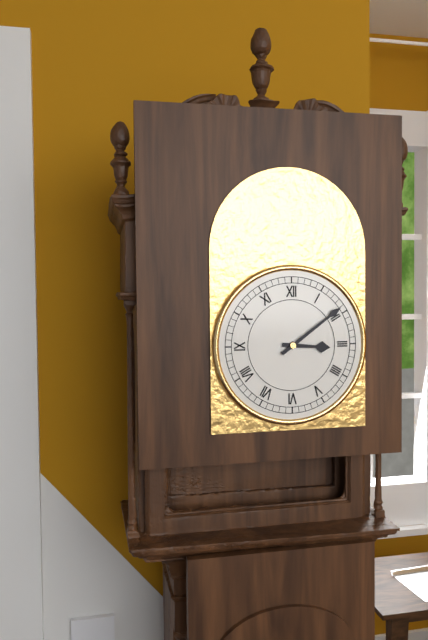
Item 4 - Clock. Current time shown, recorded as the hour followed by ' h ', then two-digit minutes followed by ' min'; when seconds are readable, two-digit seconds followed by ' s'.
3 h 09 min
